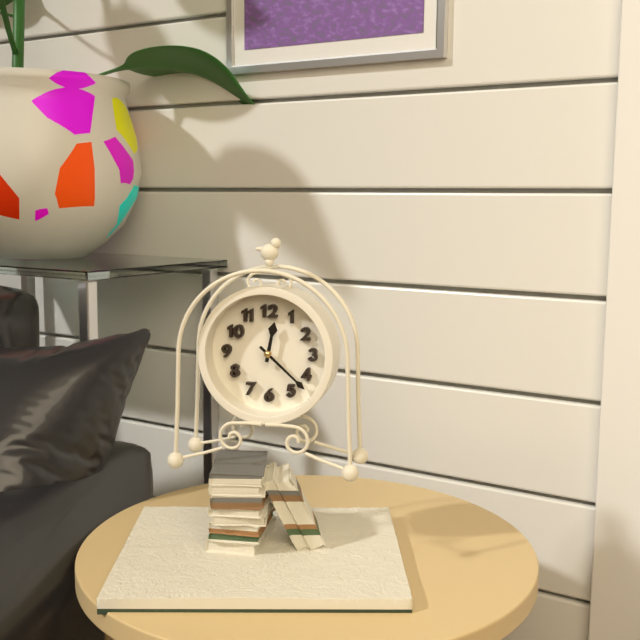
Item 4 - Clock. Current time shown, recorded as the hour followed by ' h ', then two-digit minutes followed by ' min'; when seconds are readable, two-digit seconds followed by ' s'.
12 h 22 min
